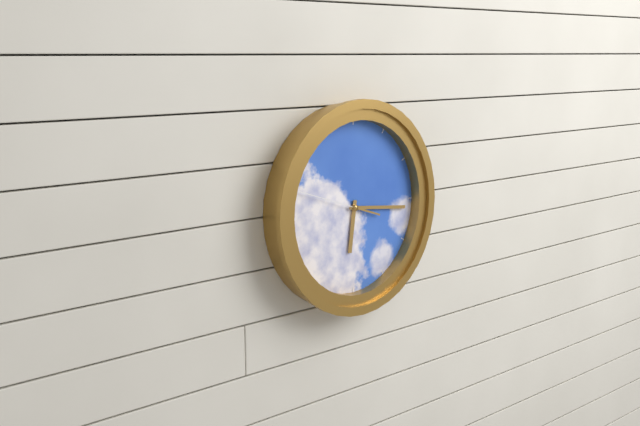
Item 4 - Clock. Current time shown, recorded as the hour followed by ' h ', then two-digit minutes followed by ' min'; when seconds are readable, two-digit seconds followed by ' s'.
6 h 16 min 48 s
